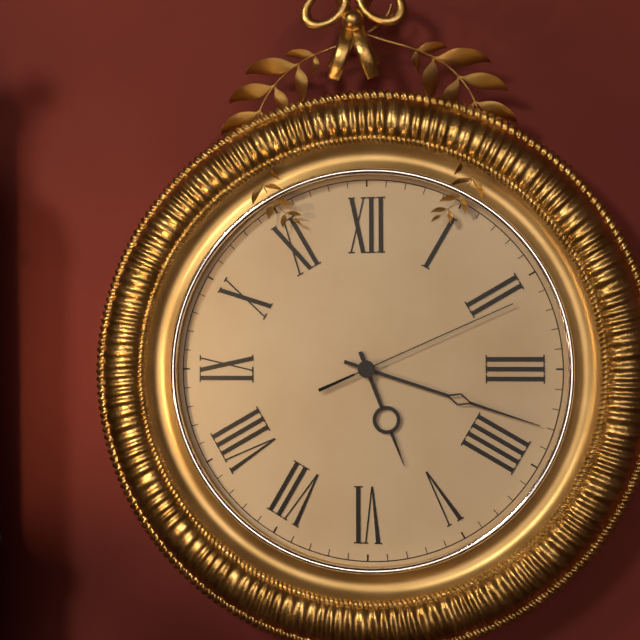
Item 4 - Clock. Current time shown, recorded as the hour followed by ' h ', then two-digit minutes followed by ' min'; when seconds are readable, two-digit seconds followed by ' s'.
5 h 18 min 11 s
